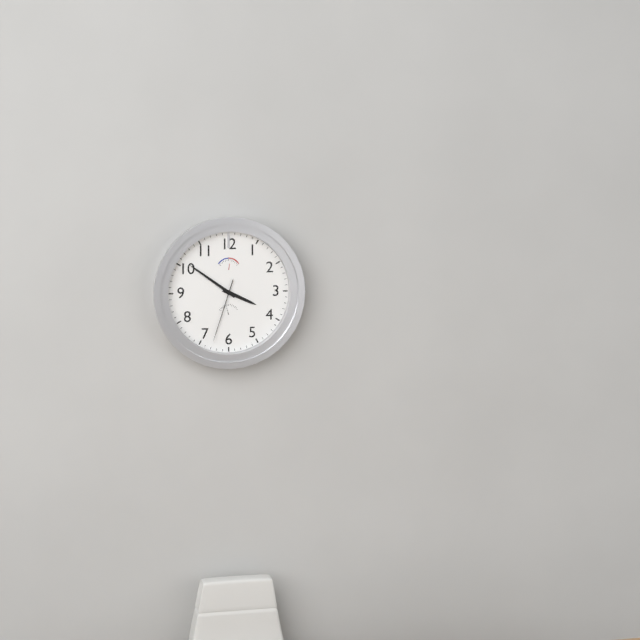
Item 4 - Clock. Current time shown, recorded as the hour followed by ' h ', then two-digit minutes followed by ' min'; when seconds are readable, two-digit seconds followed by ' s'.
3 h 51 min 33 s
